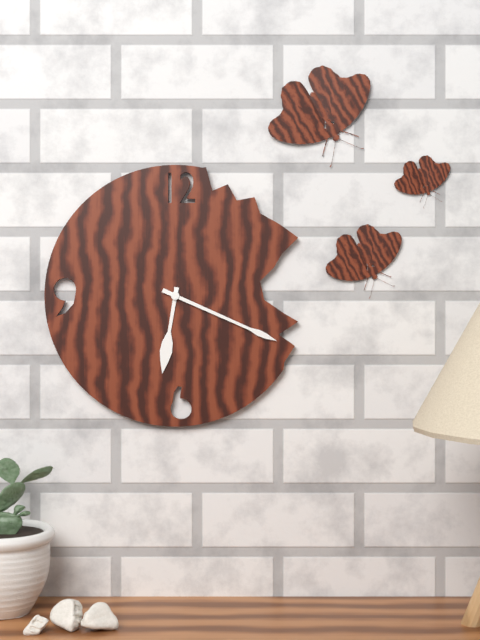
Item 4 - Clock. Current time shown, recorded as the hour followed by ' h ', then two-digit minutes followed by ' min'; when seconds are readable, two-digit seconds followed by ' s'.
6 h 19 min
